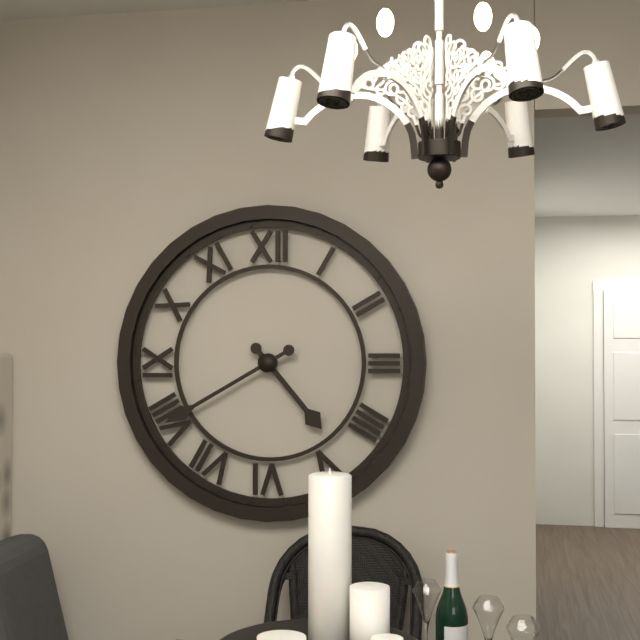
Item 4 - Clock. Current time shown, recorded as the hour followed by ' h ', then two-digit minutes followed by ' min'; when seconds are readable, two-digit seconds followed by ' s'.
4 h 40 min
